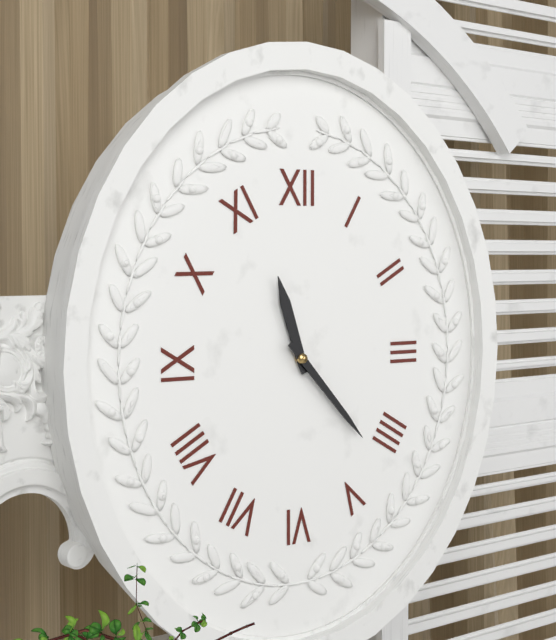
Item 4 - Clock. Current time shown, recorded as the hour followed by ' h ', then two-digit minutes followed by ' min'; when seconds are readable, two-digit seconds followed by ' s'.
11 h 23 min
